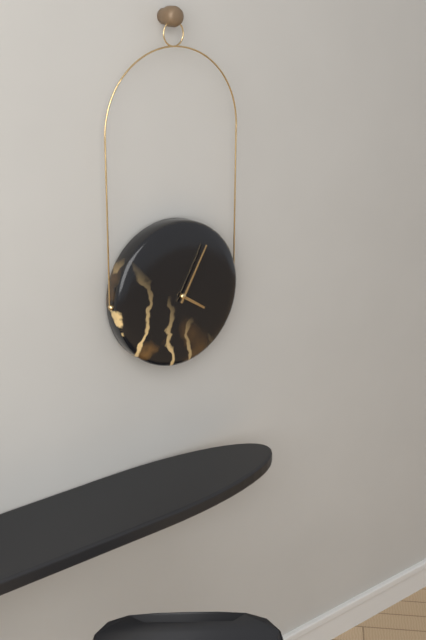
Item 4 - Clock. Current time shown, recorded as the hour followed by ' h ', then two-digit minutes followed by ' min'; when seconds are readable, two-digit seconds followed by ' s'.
4 h 05 min
